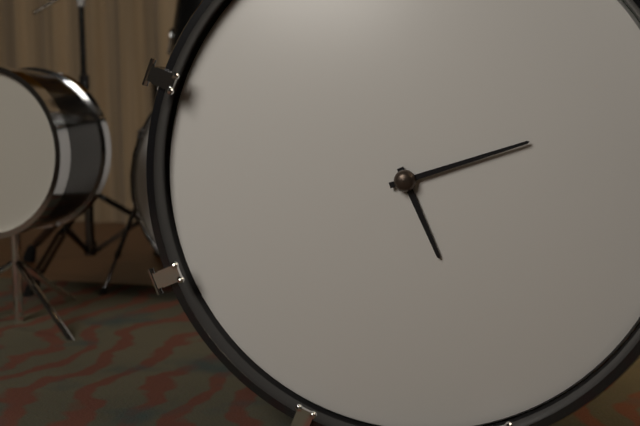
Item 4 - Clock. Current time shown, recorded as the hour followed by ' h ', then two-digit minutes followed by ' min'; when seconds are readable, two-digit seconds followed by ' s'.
5 h 12 min
